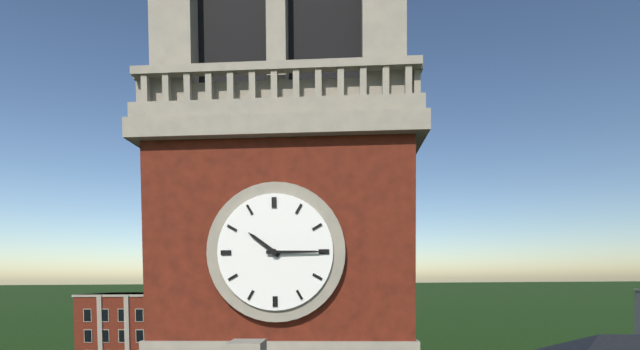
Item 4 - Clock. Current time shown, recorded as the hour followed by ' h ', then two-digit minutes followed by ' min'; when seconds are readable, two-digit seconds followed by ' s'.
10 h 15 min
